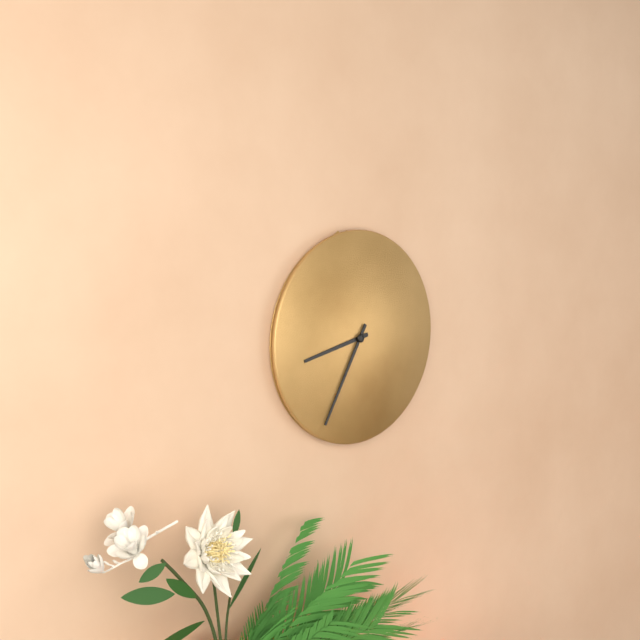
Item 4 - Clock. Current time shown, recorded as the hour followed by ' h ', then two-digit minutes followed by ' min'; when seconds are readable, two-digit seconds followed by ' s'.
8 h 35 min
